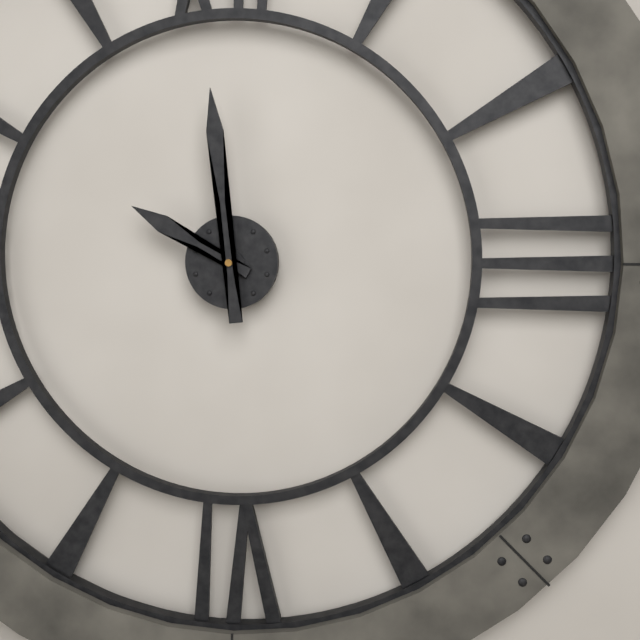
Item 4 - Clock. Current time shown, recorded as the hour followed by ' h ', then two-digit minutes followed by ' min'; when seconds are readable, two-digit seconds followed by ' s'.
9 h 59 min
